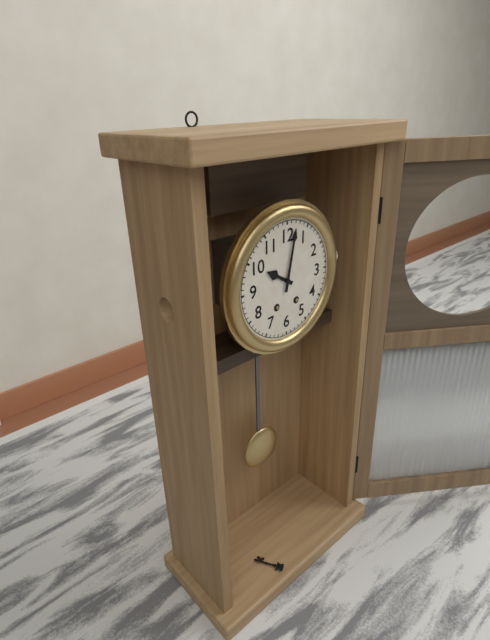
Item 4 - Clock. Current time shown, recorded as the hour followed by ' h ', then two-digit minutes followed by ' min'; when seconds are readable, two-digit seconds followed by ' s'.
10 h 02 min
